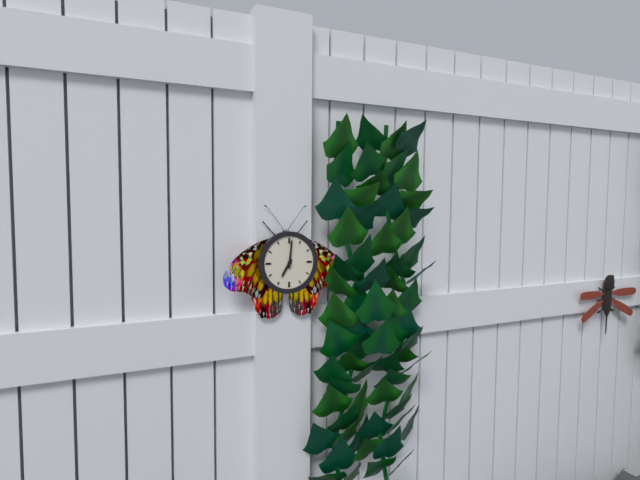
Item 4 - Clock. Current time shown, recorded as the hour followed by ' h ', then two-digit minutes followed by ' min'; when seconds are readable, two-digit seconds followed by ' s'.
7 h 01 min
